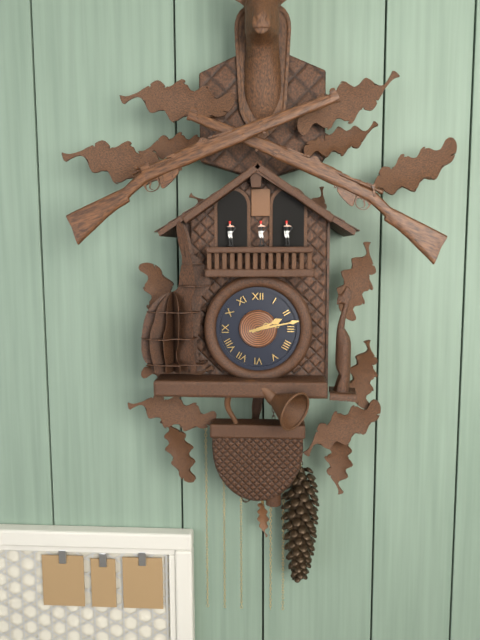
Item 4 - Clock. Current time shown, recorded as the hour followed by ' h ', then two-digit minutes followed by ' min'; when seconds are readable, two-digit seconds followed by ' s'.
2 h 13 min
